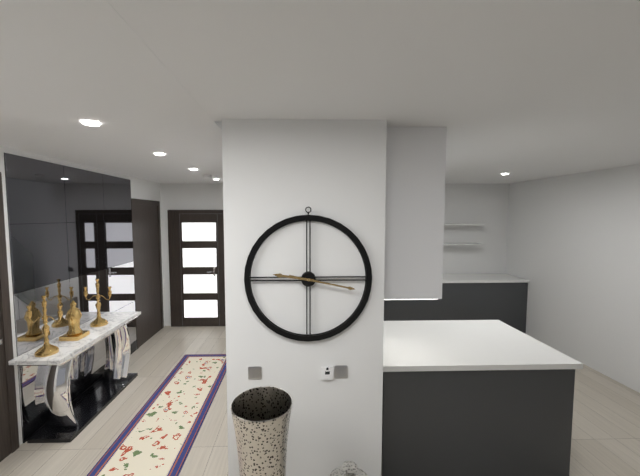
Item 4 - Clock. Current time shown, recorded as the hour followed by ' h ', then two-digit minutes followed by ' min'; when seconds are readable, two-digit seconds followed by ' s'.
9 h 17 min
